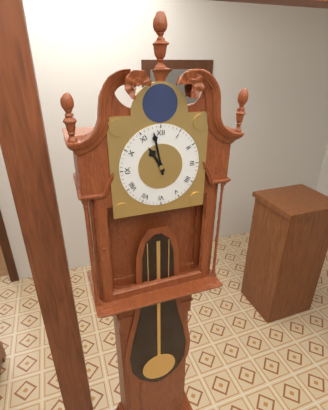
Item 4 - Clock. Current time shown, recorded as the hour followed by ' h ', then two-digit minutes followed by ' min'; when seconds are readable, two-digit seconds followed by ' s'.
10 h 58 min
